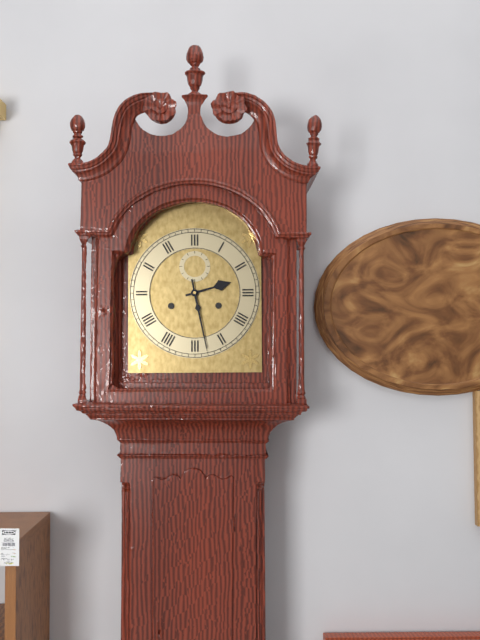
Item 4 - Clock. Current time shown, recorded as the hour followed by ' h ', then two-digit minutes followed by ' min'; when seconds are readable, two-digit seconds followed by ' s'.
2 h 28 min
